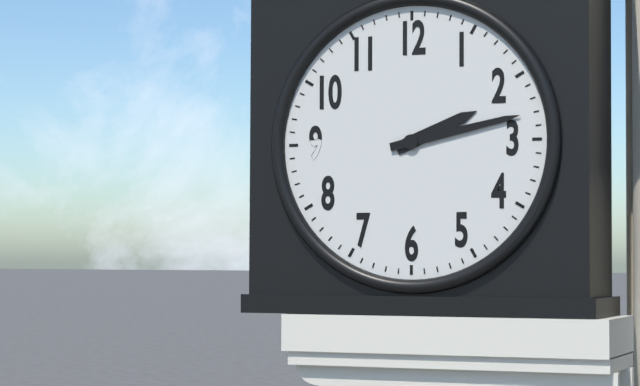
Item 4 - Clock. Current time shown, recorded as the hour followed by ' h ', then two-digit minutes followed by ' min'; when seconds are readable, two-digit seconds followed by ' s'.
2 h 13 min
